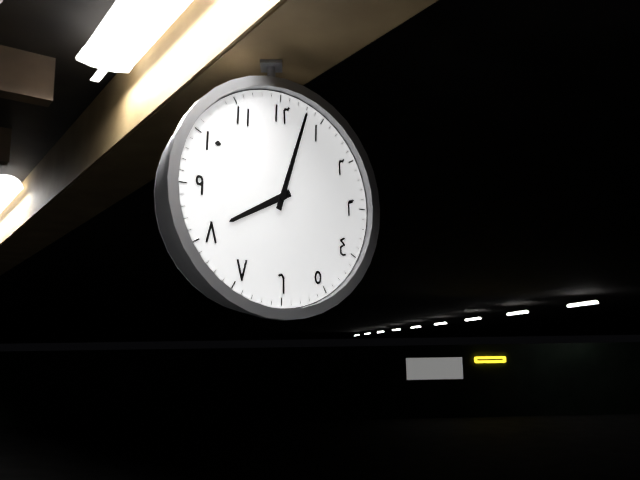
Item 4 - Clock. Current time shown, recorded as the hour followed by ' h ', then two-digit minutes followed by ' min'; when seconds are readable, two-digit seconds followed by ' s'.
8 h 03 min
